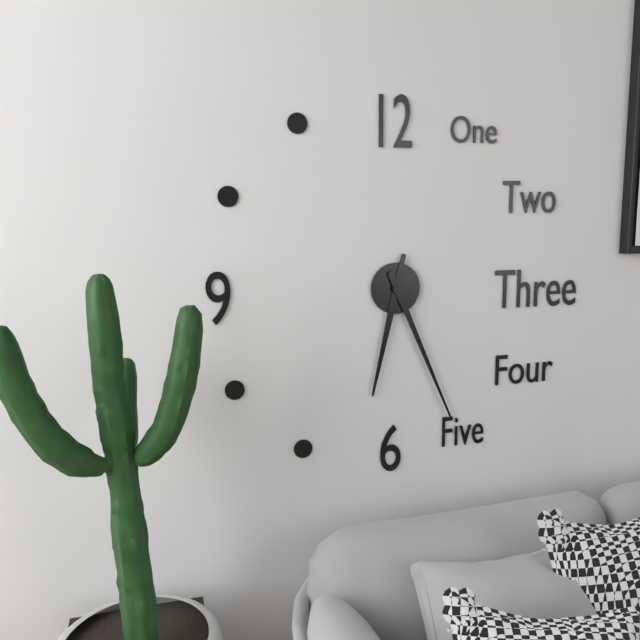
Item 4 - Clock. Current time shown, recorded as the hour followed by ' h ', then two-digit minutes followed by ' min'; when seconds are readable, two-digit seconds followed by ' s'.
6 h 26 min
